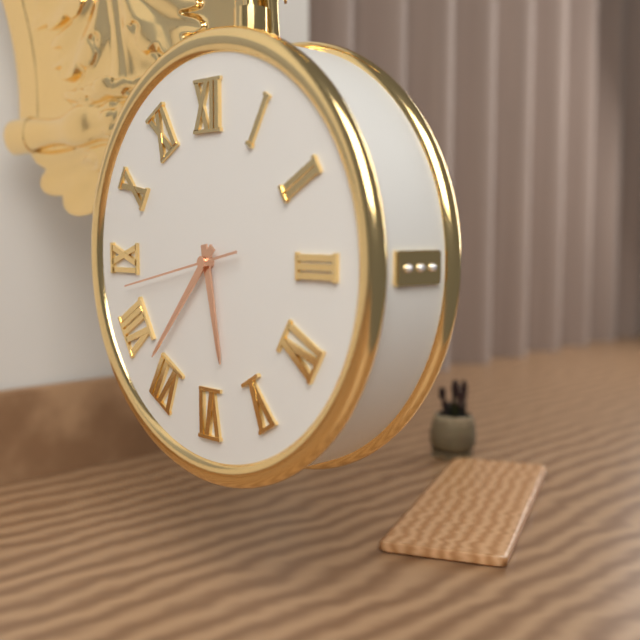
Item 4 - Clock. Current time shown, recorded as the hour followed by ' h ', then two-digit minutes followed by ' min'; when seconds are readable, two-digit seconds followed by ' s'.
5 h 37 min 43 s
